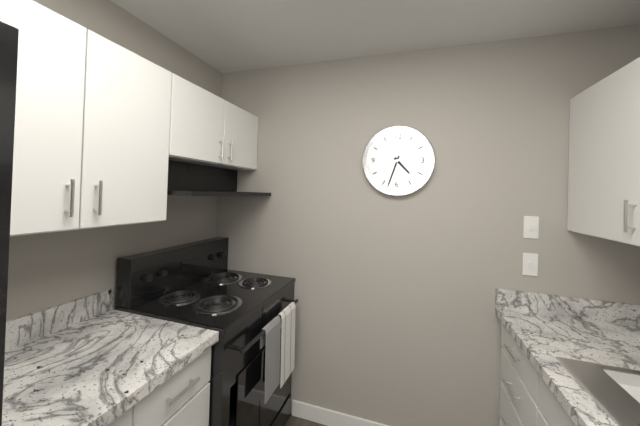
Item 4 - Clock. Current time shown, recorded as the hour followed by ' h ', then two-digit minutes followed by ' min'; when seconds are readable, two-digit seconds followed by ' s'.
4 h 33 min
